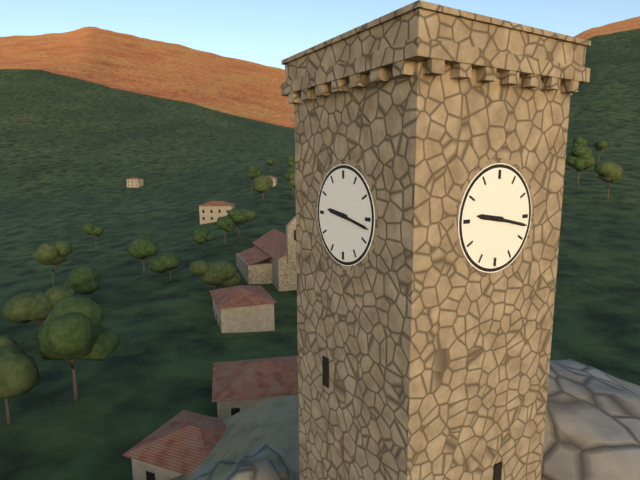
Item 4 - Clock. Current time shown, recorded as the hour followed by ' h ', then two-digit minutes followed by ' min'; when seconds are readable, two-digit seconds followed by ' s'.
9 h 17 min
